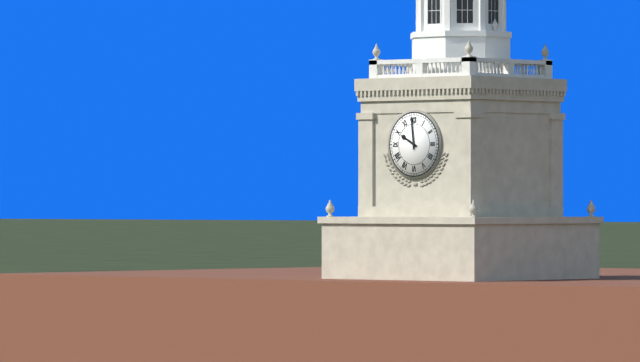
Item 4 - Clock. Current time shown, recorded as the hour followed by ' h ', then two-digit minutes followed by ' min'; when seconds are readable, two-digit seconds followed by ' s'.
9 h 59 min
